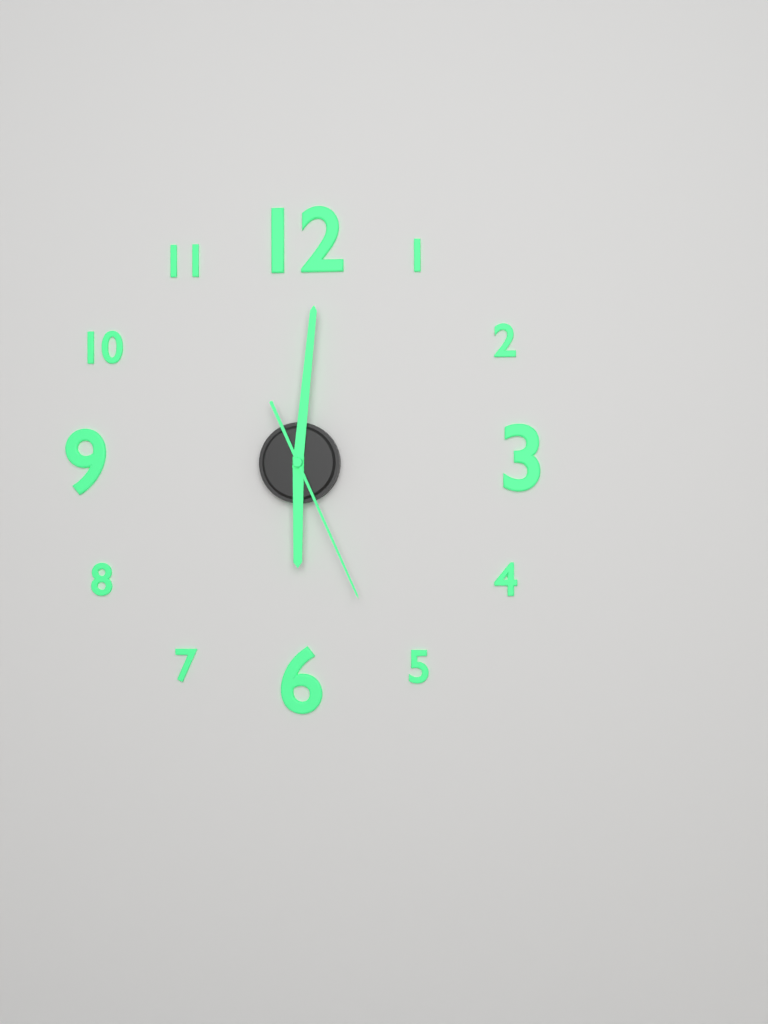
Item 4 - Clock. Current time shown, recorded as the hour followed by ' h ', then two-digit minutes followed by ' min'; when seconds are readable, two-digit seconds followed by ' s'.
6 h 01 min 26 s
